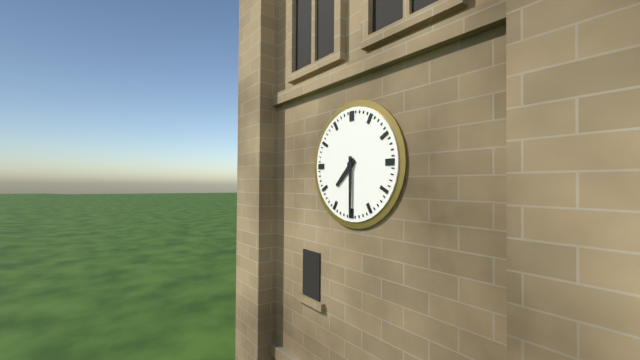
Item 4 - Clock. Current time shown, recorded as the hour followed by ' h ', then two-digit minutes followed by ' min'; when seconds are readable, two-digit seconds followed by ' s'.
7 h 30 min
